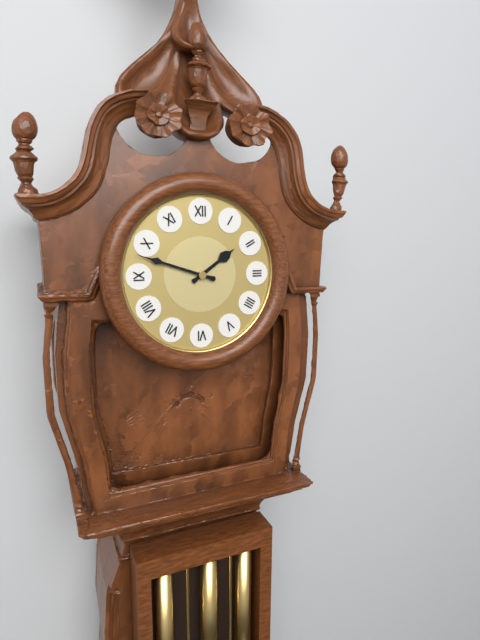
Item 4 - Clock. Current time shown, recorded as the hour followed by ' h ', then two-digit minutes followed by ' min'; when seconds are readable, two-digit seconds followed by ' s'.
1 h 48 min
